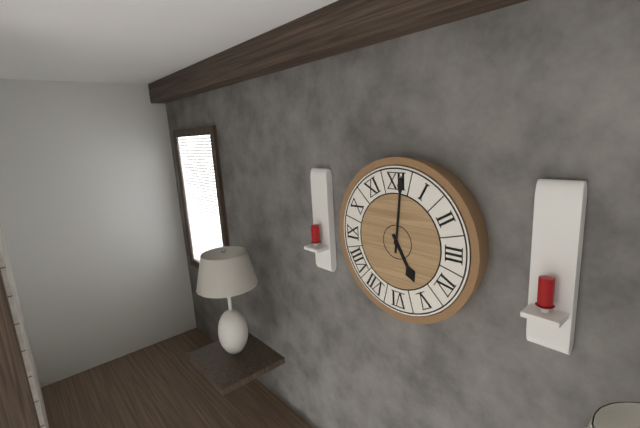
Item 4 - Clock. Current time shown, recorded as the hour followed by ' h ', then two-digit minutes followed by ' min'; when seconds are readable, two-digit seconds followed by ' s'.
5 h 01 min
